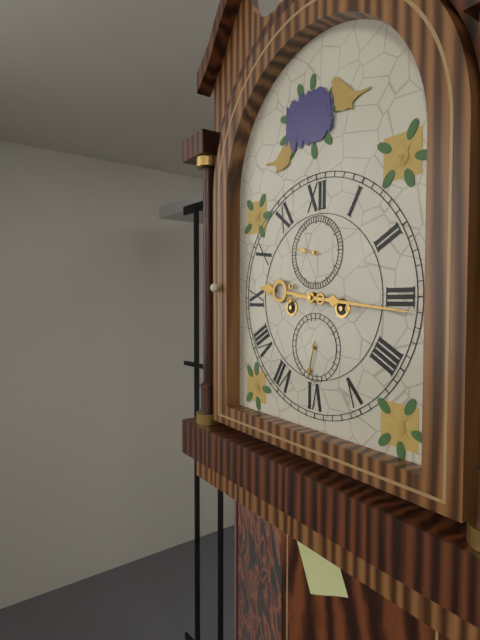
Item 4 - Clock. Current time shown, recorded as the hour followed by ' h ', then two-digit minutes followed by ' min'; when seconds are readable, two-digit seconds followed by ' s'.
9 h 16 min
